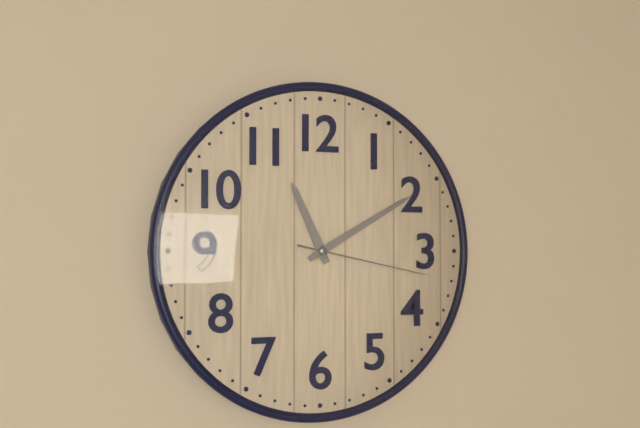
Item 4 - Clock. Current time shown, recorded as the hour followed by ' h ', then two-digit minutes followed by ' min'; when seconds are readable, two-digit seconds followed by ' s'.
11 h 10 min 17 s
